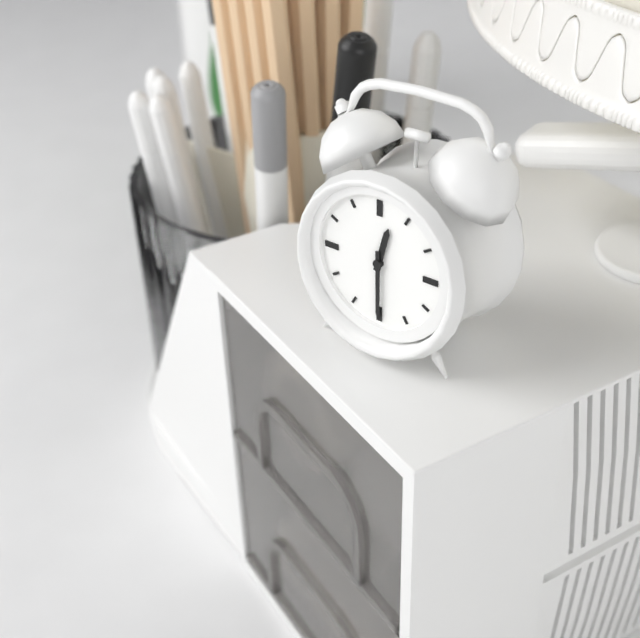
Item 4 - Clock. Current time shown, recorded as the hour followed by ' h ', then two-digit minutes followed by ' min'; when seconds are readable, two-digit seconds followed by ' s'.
12 h 30 min
